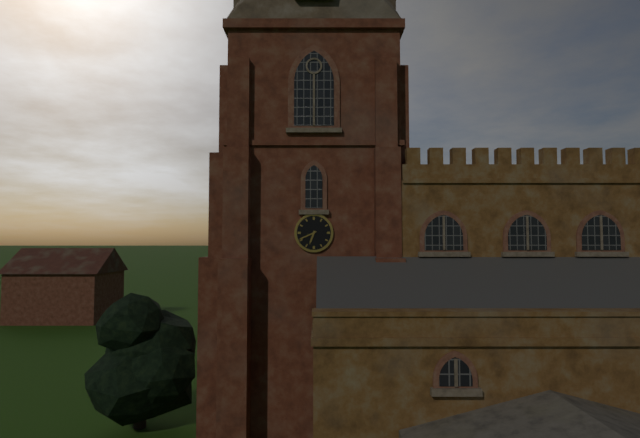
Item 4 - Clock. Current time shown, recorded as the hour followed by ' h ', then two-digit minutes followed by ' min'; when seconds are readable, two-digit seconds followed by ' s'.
6 h 41 min
